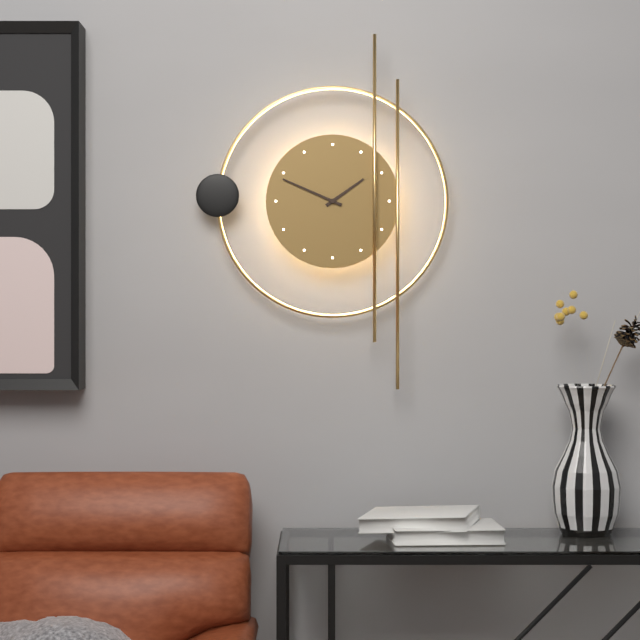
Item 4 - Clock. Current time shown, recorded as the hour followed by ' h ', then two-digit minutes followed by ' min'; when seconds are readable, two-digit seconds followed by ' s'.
1 h 49 min
